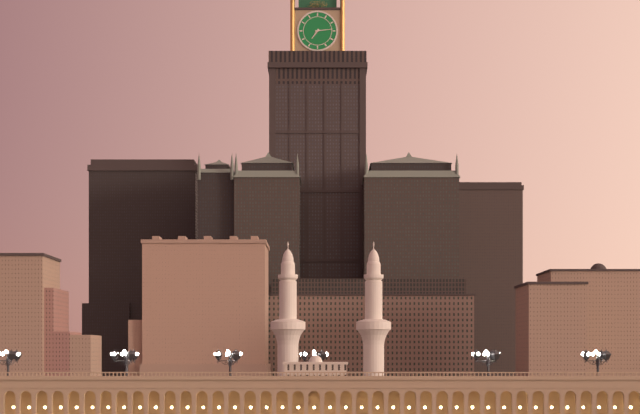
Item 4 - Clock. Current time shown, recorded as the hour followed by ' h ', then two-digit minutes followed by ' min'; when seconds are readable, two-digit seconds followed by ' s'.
7 h 14 min
